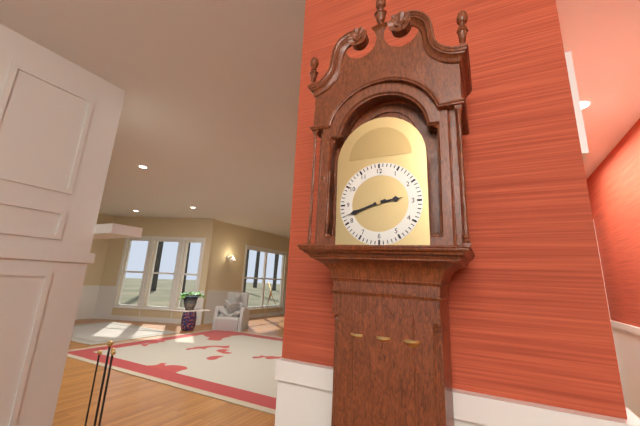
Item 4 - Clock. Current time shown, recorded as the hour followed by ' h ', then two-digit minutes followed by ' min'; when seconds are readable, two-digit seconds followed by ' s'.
2 h 42 min
